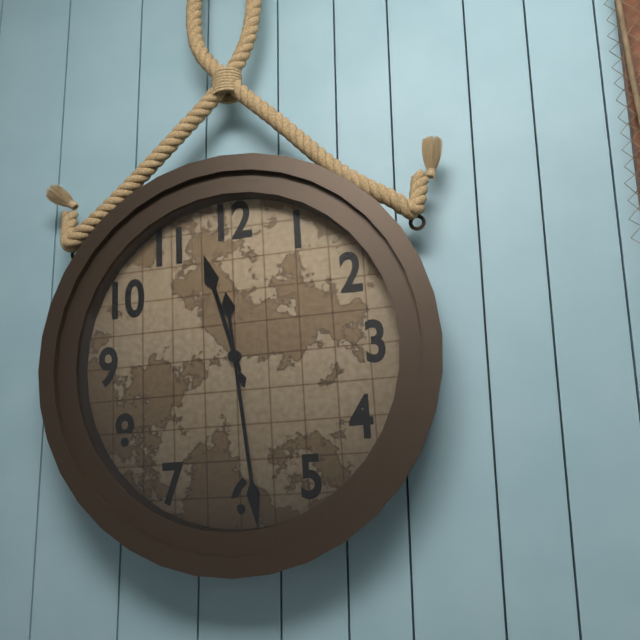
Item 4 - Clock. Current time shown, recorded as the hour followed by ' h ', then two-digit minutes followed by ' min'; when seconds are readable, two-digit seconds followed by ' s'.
11 h 29 min
